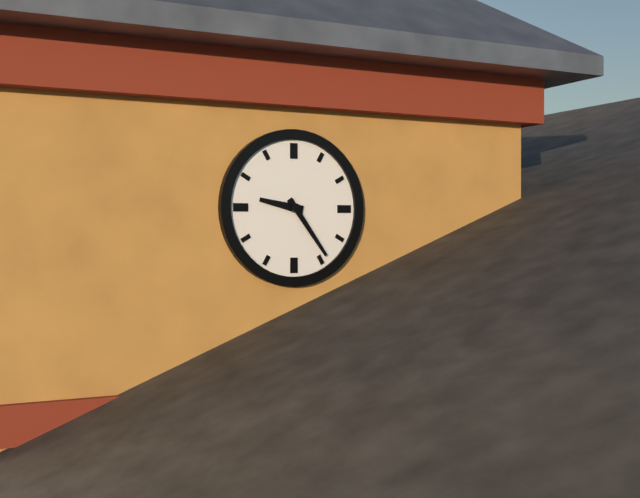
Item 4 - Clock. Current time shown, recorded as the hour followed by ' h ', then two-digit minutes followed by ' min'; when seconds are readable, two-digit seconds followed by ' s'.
9 h 24 min
